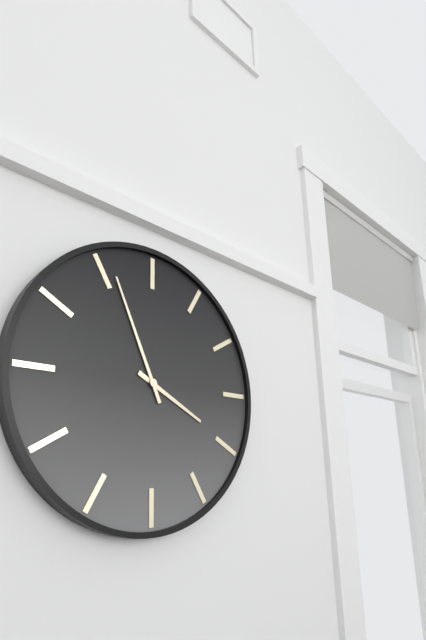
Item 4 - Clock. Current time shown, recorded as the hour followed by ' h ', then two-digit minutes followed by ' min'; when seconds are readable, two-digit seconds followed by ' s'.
3 h 56 min
